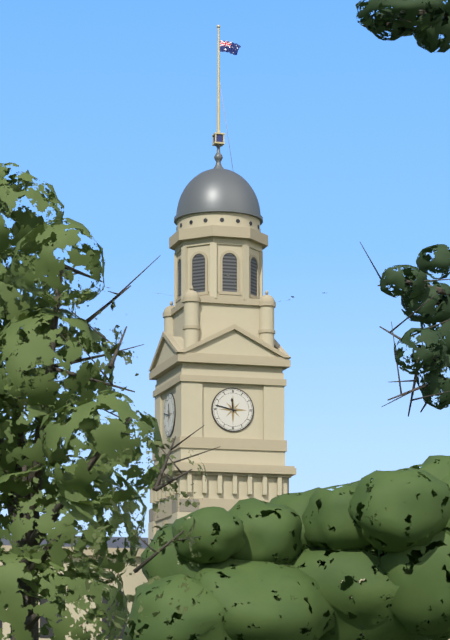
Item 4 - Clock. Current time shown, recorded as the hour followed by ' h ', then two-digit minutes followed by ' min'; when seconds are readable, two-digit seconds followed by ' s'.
11 h 47 min
